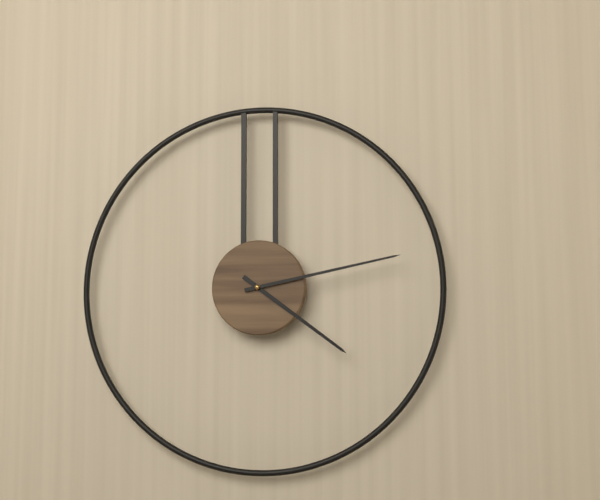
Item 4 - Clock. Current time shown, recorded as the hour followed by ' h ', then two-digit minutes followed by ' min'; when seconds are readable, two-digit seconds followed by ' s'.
4 h 13 min
